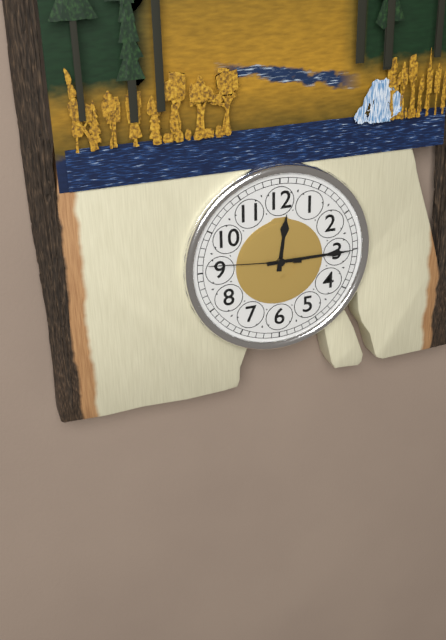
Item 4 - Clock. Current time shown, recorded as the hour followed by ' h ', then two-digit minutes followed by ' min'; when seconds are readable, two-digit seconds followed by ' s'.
12 h 15 min 46 s
